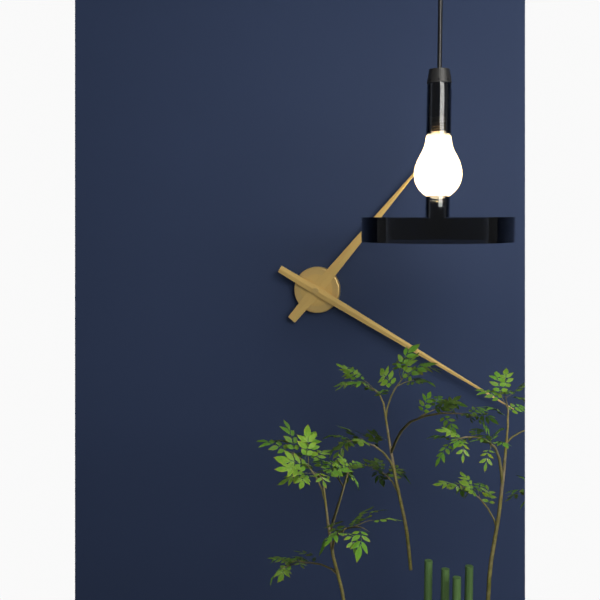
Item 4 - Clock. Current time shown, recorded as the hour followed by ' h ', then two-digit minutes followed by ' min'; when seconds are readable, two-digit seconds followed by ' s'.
1 h 20 min
